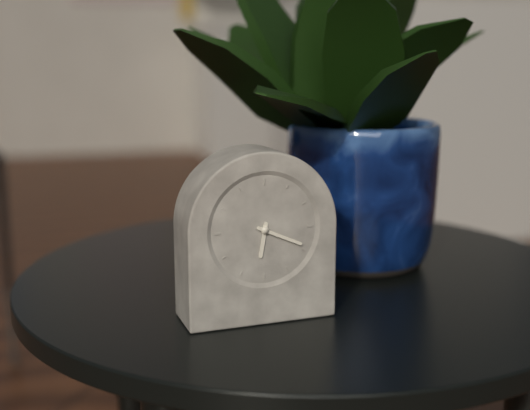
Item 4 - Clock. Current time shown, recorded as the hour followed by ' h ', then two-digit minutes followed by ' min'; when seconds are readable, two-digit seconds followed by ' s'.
6 h 19 min
